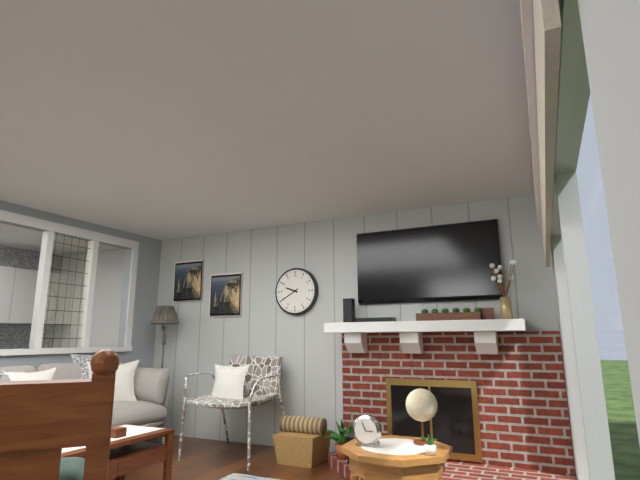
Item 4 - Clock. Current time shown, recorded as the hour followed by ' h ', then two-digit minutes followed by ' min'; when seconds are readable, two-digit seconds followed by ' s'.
9 h 40 min
